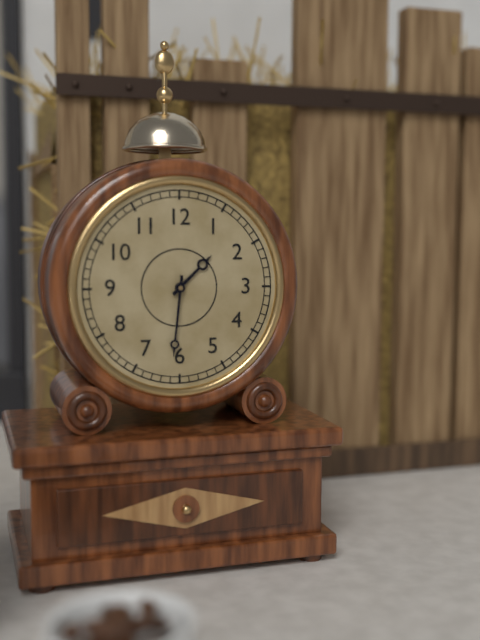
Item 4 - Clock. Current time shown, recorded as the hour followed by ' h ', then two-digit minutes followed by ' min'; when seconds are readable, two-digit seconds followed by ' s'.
1 h 31 min
